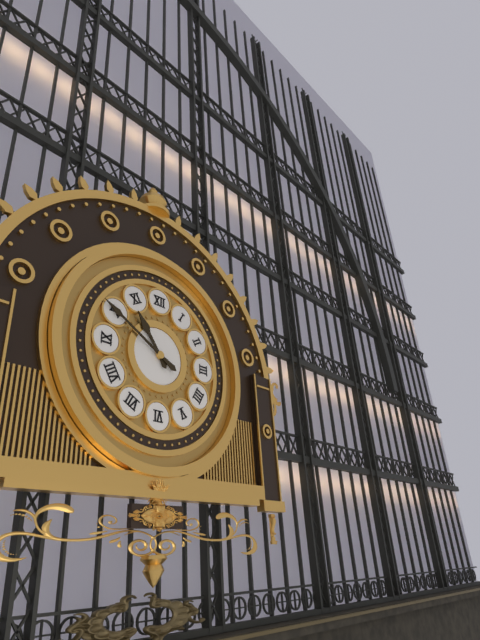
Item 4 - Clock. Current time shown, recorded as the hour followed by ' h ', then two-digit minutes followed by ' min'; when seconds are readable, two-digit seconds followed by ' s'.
10 h 50 min
